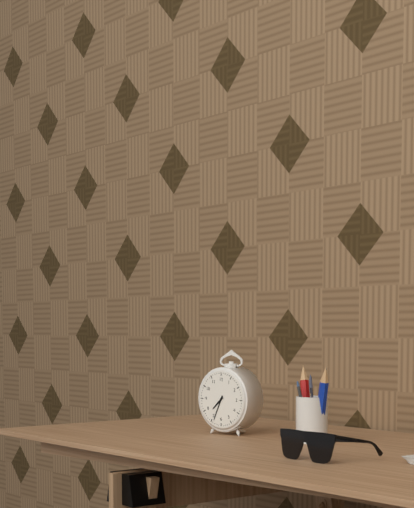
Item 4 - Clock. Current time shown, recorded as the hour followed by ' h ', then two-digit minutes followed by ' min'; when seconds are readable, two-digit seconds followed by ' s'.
7 h 34 min
